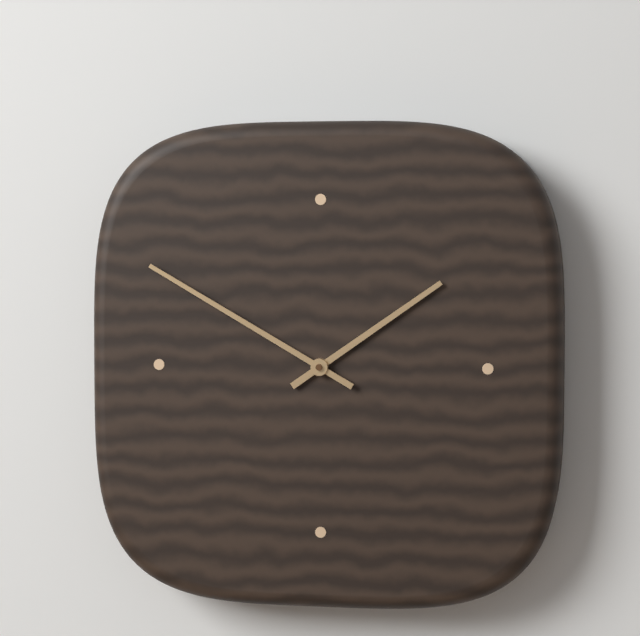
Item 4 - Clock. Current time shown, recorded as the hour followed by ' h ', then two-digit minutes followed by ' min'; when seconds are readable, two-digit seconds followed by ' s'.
1 h 50 min
